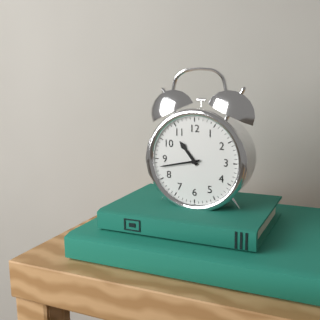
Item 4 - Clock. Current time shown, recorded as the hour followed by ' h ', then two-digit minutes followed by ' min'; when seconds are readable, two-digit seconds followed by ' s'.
10 h 43 min
